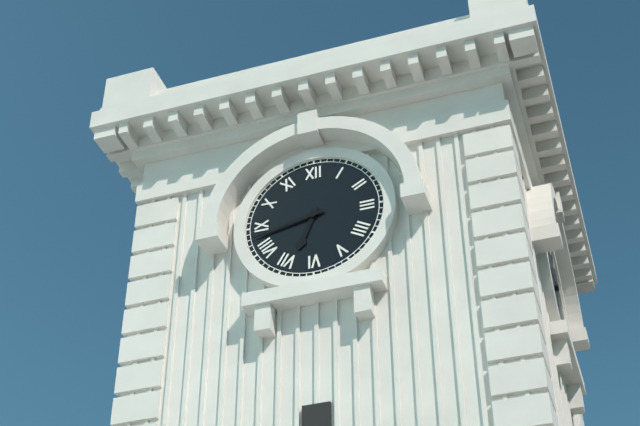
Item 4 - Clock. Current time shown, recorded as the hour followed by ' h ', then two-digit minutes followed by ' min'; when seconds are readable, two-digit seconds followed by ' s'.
6 h 43 min
